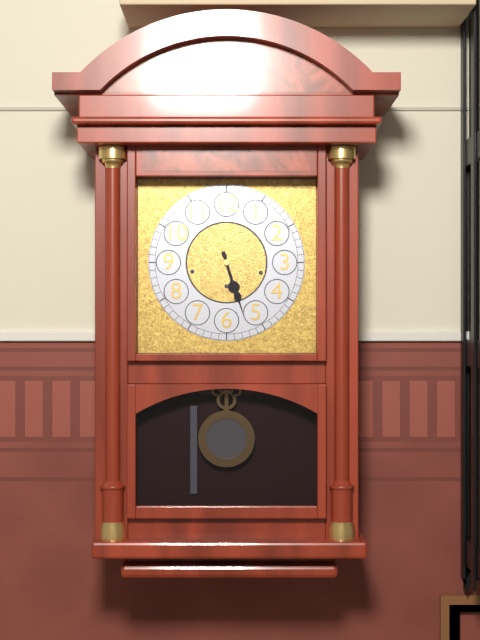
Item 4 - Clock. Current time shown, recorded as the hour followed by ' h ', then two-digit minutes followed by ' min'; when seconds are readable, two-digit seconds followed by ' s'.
5 h 27 min
